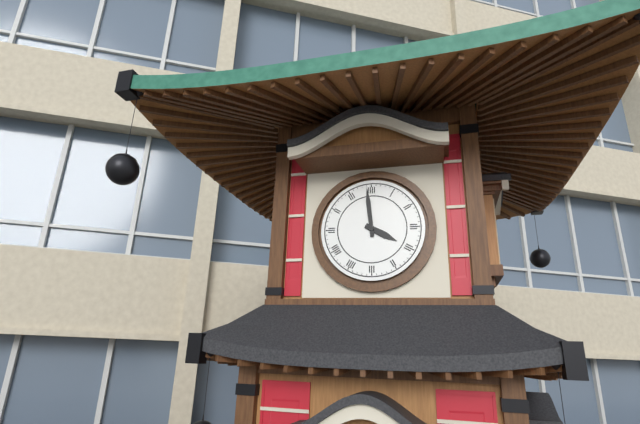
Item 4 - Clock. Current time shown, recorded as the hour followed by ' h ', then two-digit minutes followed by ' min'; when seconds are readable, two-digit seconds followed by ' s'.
3 h 59 min
